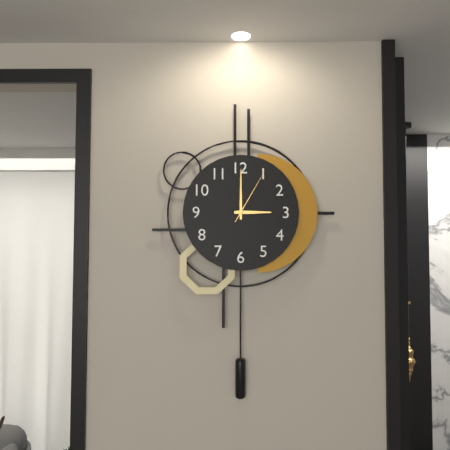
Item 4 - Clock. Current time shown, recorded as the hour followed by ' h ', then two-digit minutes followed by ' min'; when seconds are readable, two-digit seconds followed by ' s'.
3 h 00 min 05 s
